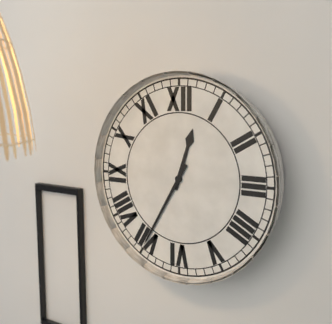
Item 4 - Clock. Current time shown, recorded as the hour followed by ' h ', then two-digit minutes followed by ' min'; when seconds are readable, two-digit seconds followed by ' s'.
12 h 35 min
